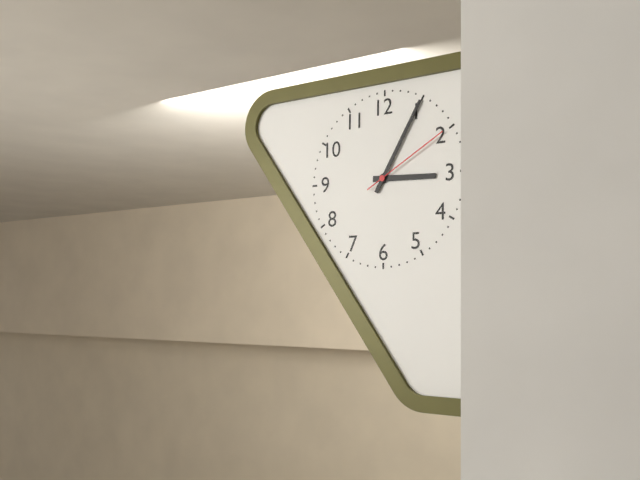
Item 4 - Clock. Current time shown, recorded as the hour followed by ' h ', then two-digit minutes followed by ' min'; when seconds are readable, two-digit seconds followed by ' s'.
3 h 05 min 10 s
